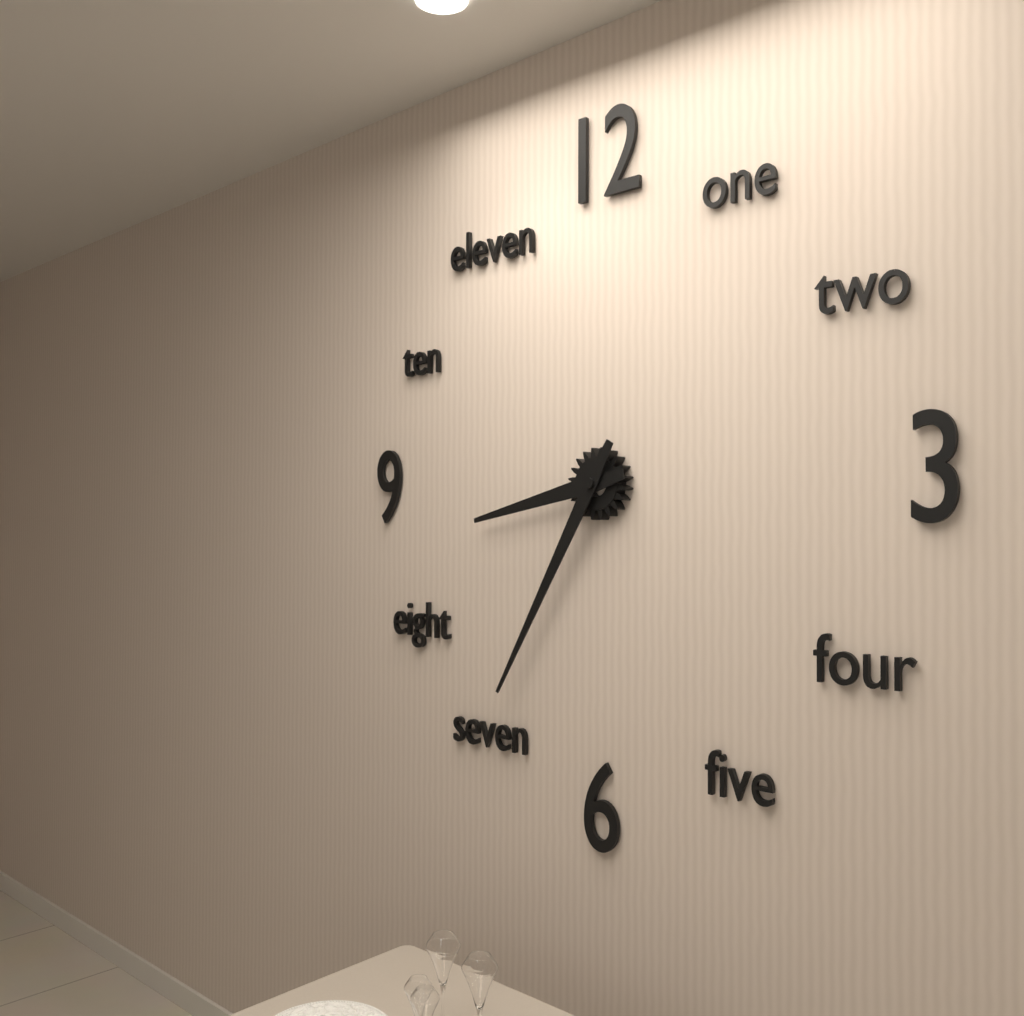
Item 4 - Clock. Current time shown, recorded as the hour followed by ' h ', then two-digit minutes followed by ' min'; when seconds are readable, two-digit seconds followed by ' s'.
8 h 35 min
